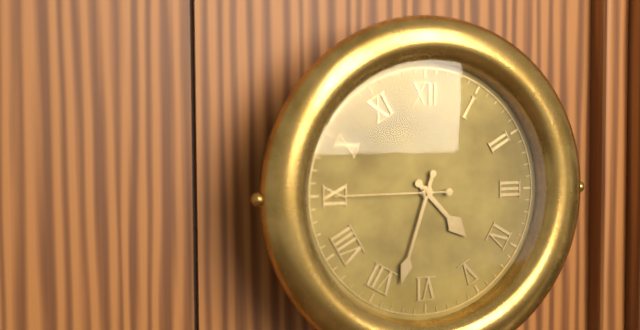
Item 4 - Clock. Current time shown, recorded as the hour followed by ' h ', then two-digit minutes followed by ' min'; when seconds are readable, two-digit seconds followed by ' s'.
4 h 33 min 45 s
